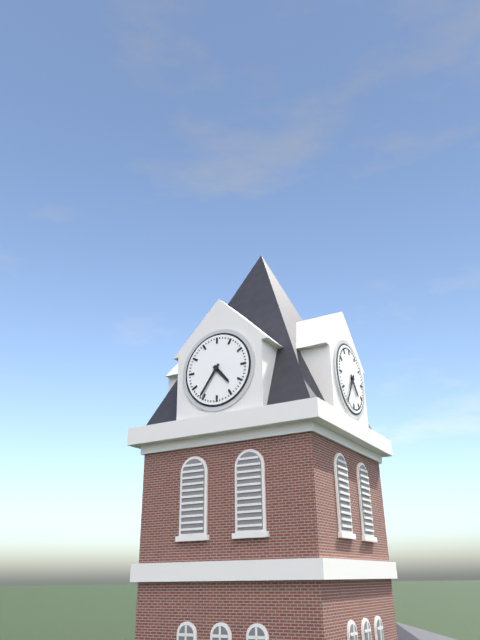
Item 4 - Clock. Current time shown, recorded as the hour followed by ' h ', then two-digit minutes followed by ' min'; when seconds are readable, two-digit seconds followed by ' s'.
4 h 36 min
